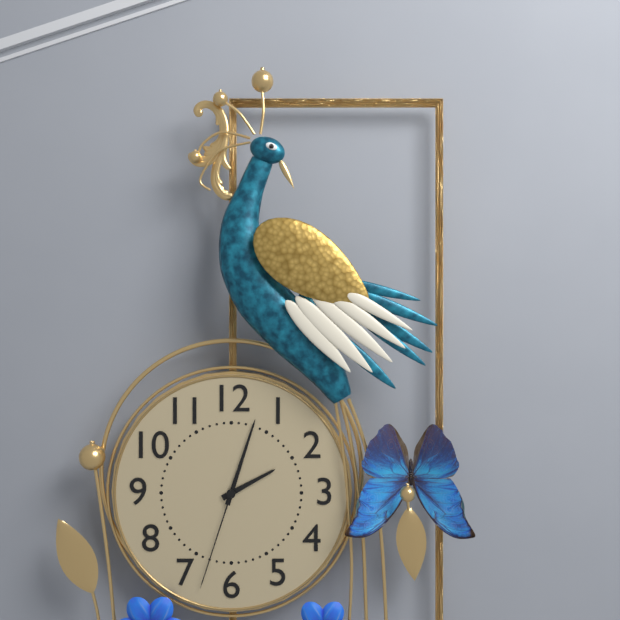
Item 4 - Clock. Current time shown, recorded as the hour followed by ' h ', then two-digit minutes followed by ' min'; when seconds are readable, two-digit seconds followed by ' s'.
2 h 03 min 33 s
